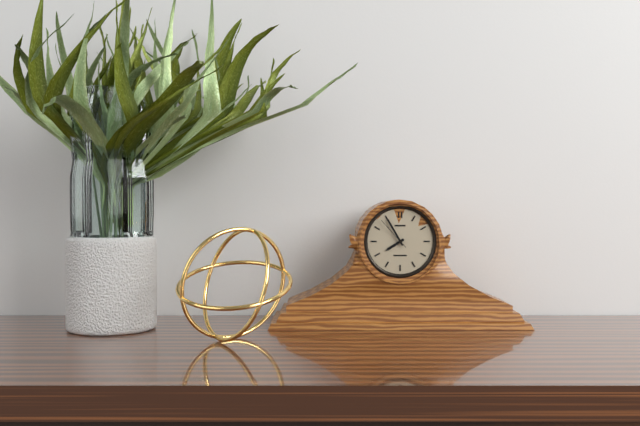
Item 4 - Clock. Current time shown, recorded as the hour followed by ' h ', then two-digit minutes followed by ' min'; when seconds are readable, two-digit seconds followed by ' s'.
7 h 55 min
